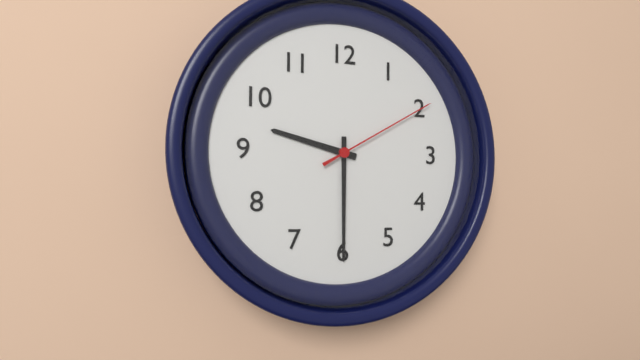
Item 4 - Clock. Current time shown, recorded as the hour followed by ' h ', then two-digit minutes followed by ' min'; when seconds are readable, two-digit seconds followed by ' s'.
9 h 30 min 10 s
